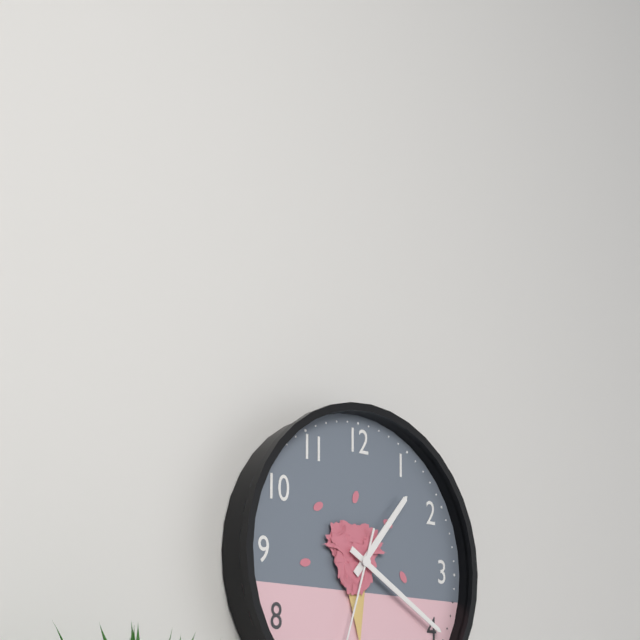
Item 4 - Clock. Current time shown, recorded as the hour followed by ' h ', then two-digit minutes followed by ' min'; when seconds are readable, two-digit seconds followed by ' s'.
1 h 20 min
